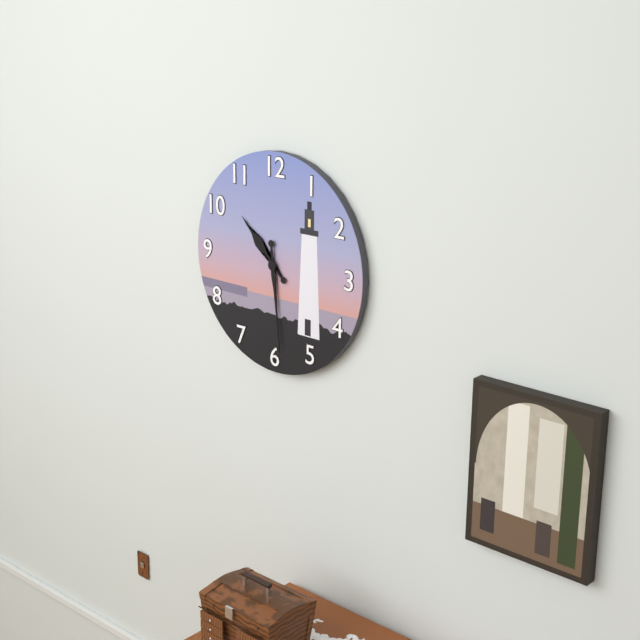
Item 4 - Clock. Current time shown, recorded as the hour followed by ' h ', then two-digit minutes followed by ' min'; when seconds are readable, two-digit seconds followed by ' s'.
10 h 29 min
